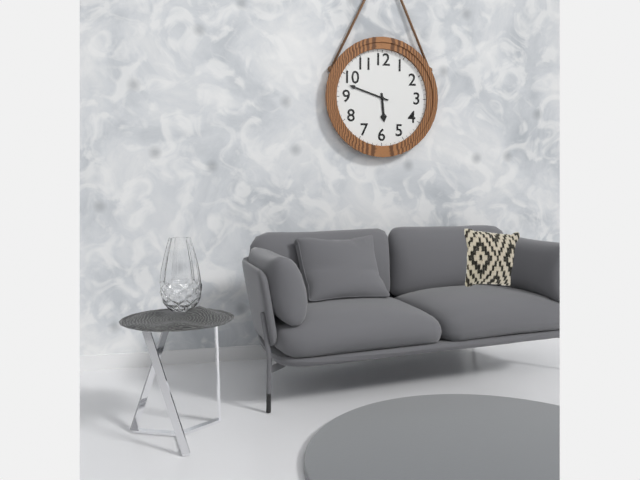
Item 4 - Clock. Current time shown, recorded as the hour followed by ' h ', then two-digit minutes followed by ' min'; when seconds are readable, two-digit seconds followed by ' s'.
5 h 48 min
